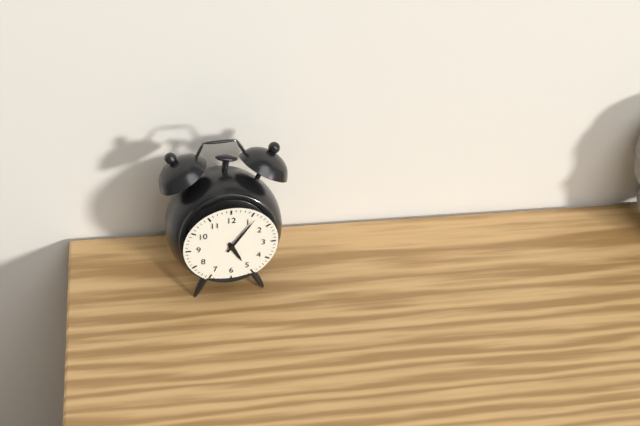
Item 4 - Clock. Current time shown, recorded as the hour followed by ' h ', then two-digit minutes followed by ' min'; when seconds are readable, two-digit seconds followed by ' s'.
5 h 06 min
